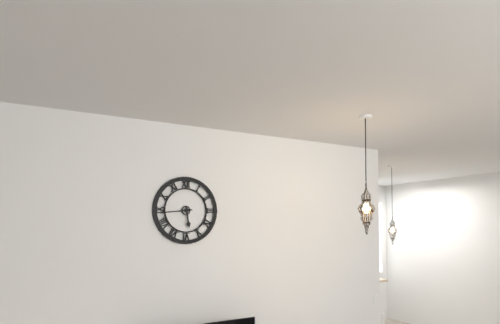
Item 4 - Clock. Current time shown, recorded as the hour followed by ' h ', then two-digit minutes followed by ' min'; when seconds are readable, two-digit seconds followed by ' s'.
5 h 44 min
